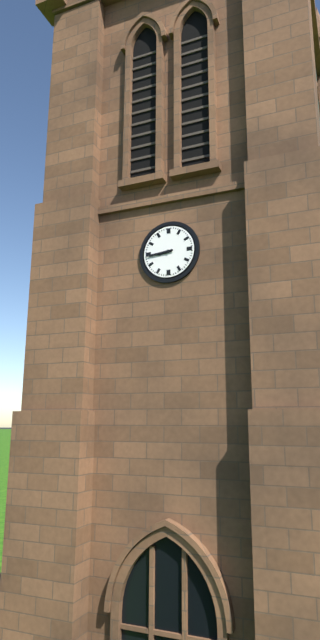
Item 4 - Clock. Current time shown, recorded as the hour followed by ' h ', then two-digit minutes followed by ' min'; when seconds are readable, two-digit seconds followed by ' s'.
8 h 44 min
